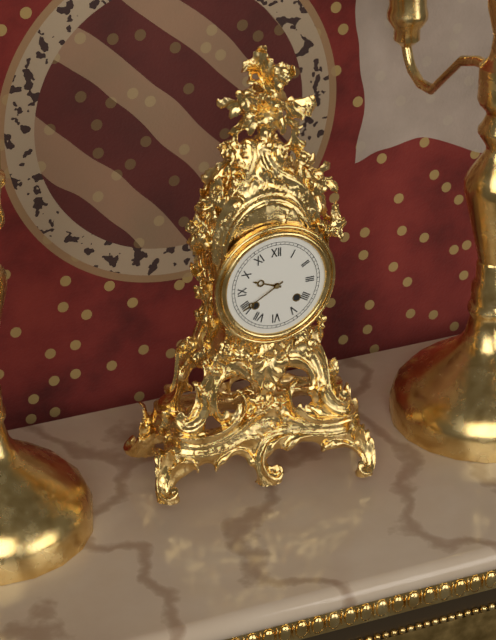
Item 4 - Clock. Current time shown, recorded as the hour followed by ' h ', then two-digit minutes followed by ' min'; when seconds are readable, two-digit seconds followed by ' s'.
9 h 40 min
